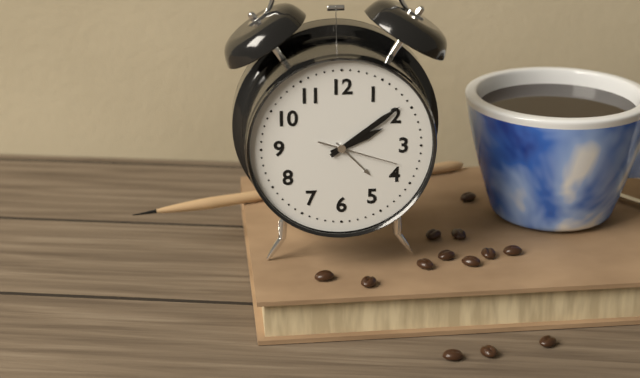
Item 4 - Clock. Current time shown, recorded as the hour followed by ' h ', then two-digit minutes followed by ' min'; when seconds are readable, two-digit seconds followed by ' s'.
2 h 09 min 18 s
